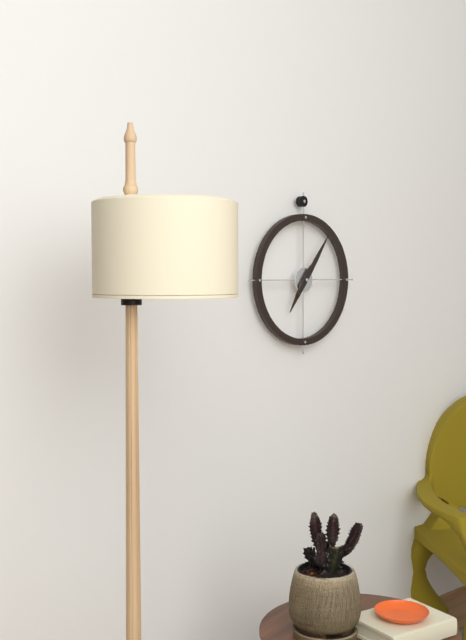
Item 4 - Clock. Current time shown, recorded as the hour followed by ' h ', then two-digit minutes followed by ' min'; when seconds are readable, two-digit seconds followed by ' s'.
7 h 06 min
